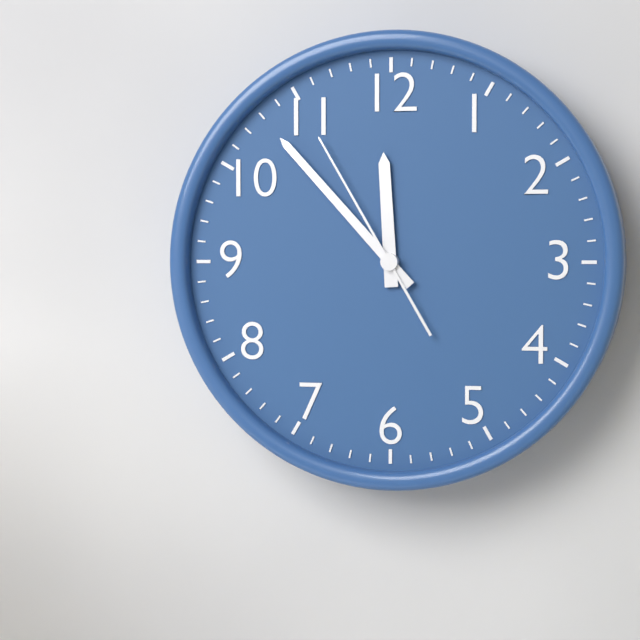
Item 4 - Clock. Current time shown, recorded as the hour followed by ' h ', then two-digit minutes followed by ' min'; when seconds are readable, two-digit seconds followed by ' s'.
11 h 53 min 55 s
